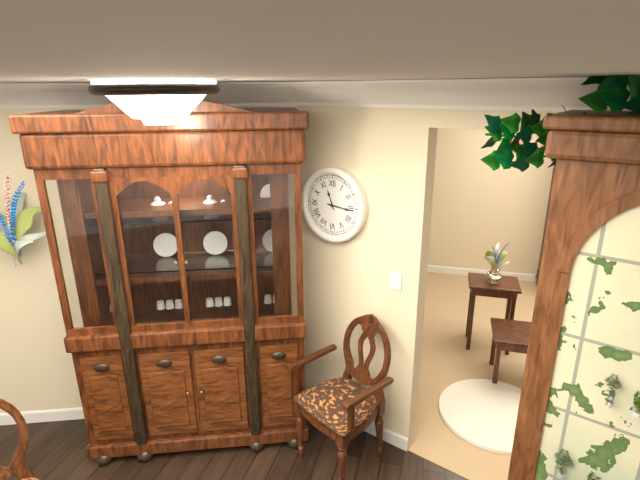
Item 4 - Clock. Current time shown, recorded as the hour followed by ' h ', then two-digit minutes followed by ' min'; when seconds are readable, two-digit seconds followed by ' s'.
11 h 16 min
